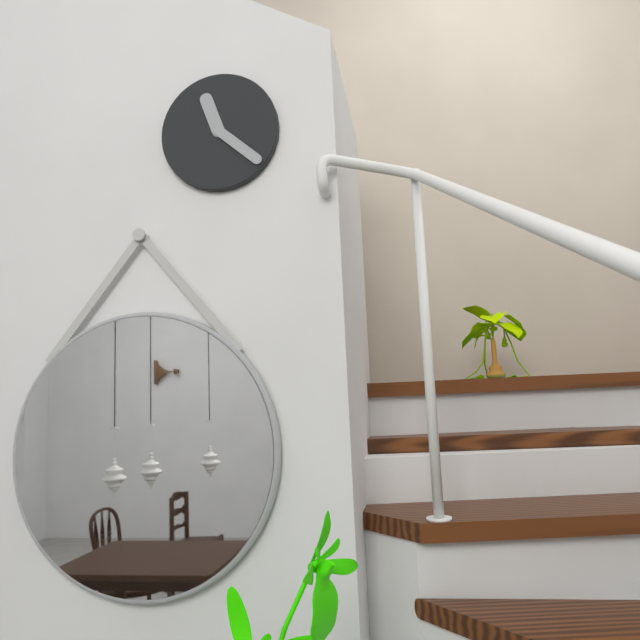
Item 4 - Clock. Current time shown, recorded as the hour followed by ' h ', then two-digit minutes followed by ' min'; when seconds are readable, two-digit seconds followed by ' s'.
11 h 22 min
